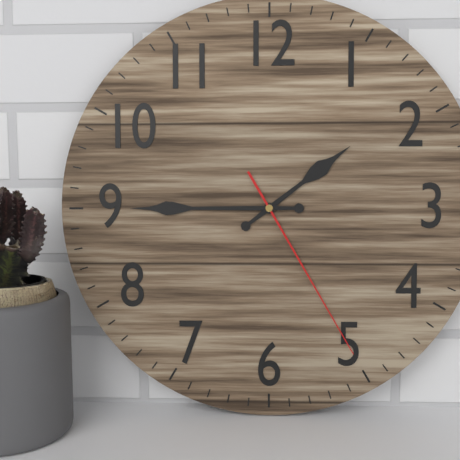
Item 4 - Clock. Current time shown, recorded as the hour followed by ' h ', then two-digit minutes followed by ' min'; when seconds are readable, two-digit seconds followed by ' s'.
1 h 45 min 25 s
